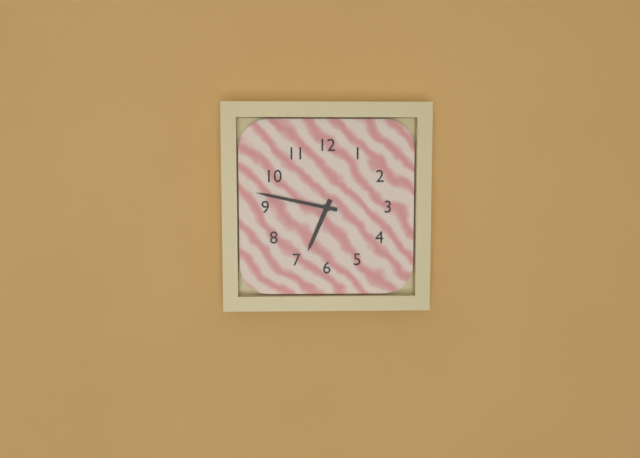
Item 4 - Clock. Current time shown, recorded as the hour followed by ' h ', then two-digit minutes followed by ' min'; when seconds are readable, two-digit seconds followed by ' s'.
6 h 47 min
